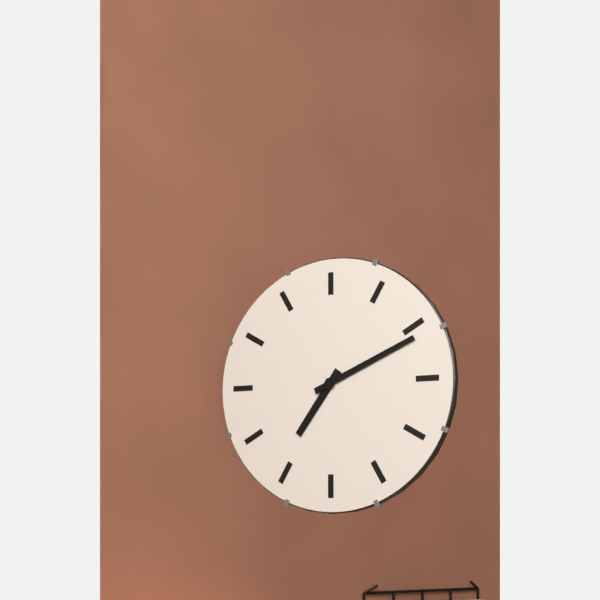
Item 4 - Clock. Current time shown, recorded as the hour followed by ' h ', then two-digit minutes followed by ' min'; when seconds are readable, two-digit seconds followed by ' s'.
7 h 11 min
